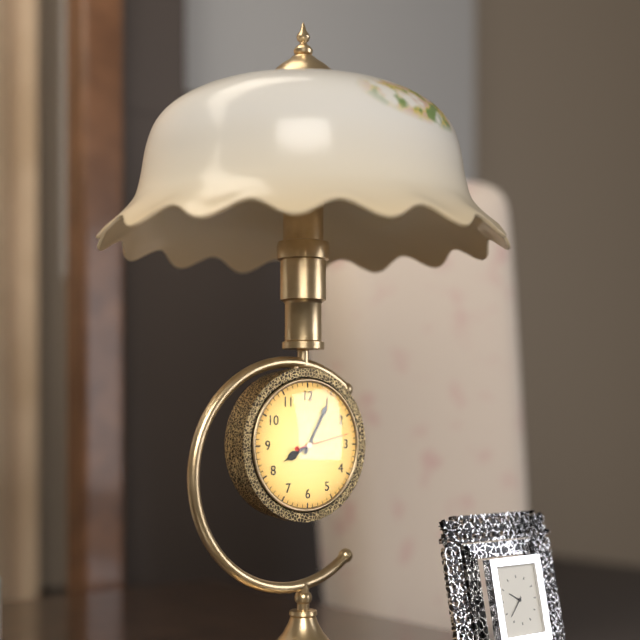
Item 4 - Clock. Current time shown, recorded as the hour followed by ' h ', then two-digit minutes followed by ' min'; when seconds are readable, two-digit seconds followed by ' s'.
8 h 05 min 13 s
